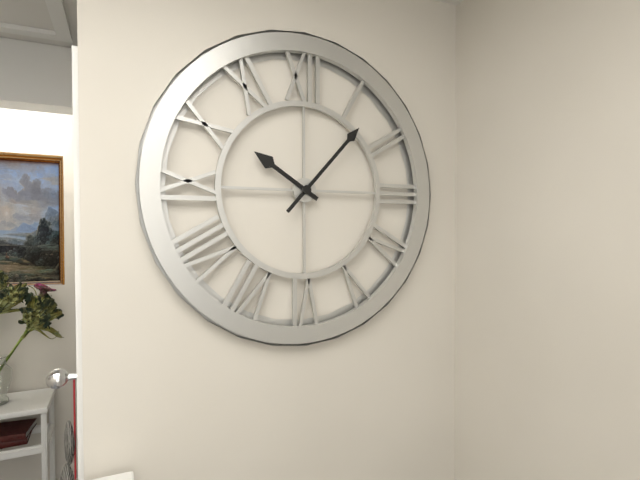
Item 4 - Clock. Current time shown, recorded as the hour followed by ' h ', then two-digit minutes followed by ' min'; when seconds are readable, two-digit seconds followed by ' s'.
10 h 07 min
